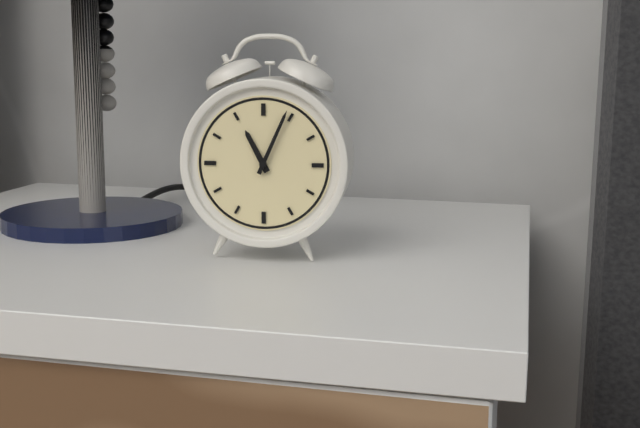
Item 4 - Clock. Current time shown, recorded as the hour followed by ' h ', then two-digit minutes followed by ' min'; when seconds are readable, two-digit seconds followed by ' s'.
11 h 04 min
